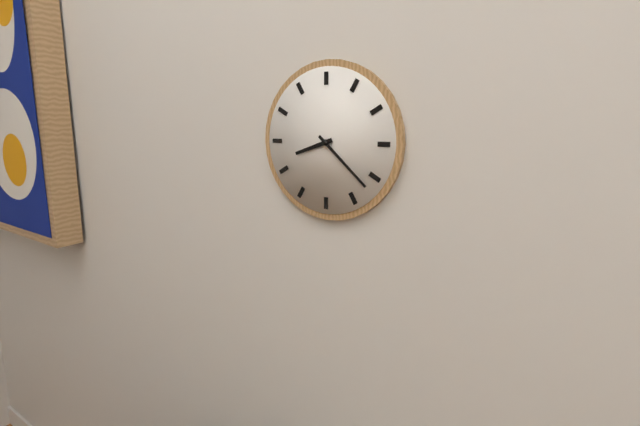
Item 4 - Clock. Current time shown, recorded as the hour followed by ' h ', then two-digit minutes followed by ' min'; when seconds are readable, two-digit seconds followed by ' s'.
8 h 22 min
